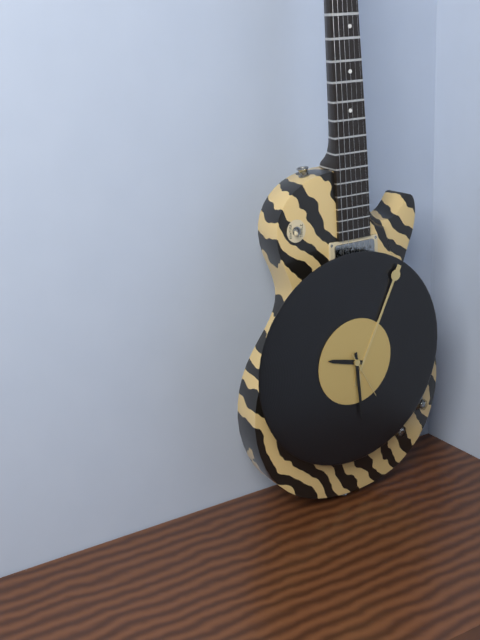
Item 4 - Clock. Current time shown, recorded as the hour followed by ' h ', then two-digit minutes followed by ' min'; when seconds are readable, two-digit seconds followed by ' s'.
9 h 29 min
